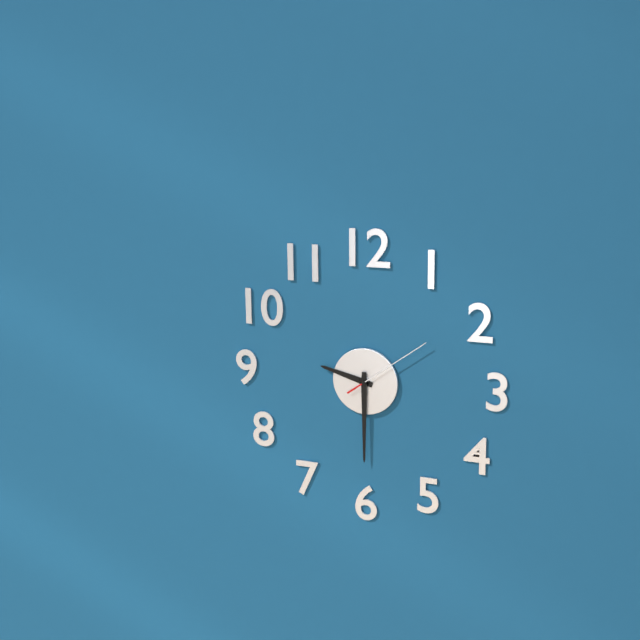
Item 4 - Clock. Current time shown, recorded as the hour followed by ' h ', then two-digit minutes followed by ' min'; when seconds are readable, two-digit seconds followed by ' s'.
9 h 30 min 09 s
